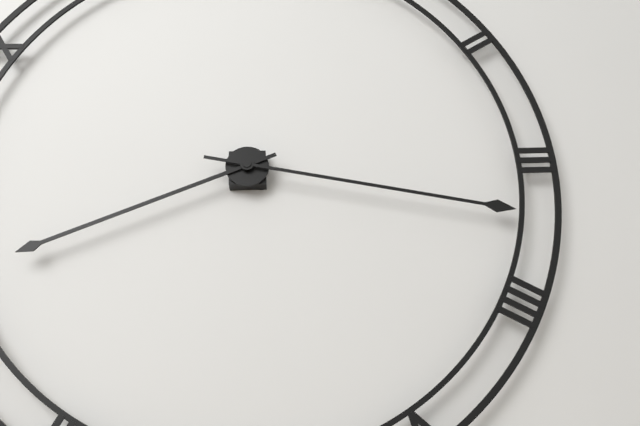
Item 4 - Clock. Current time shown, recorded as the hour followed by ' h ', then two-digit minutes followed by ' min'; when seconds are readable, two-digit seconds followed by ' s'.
8 h 17 min
